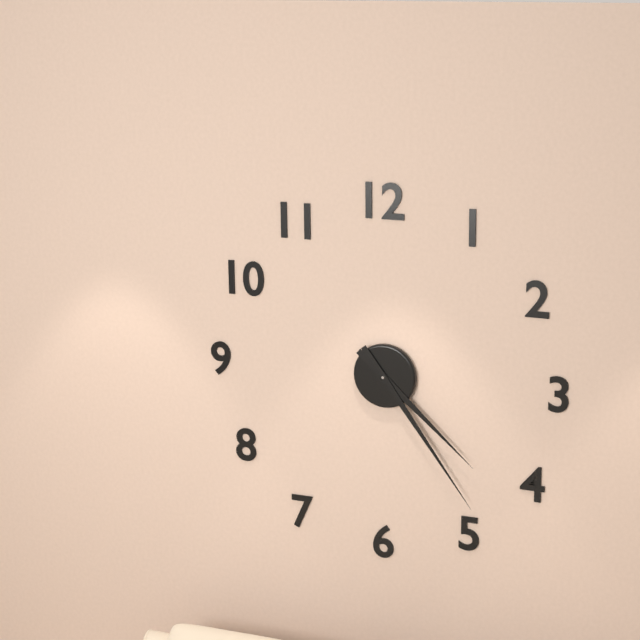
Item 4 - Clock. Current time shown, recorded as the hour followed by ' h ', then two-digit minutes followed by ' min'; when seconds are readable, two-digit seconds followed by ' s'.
4 h 24 min
